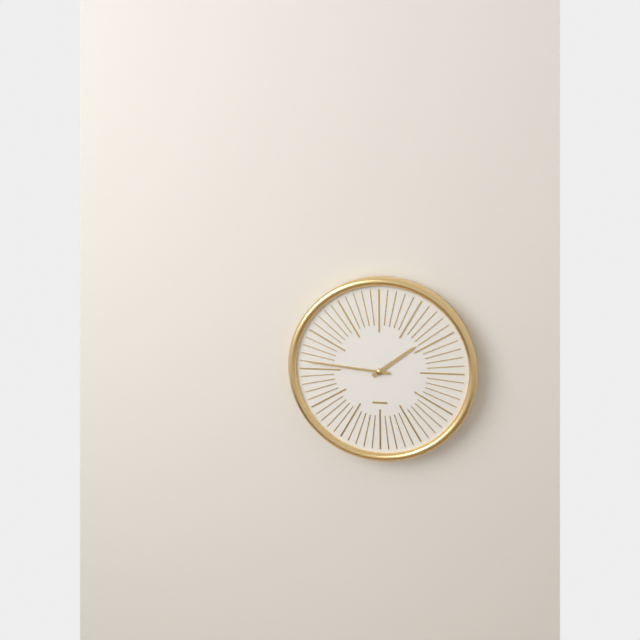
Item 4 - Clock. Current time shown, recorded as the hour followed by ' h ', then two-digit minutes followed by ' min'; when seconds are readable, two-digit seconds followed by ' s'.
1 h 46 min
